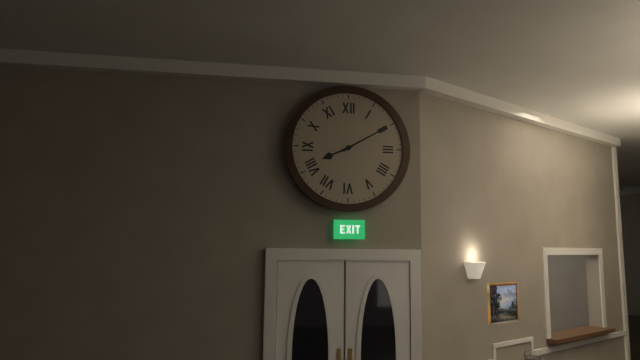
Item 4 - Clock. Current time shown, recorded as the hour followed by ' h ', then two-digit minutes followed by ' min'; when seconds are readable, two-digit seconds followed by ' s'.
8 h 10 min
